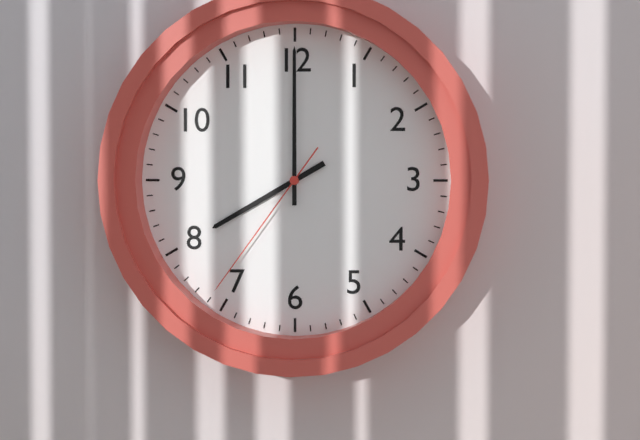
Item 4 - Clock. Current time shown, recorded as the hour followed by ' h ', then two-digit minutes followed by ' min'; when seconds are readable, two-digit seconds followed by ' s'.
8 h 00 min 36 s
